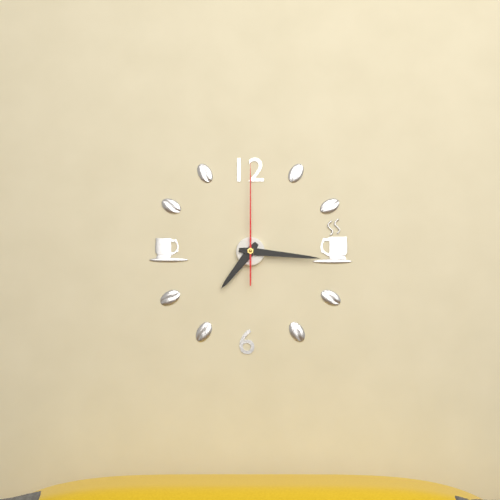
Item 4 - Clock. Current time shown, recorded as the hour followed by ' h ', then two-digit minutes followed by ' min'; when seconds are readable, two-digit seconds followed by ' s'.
7 h 16 min 00 s
